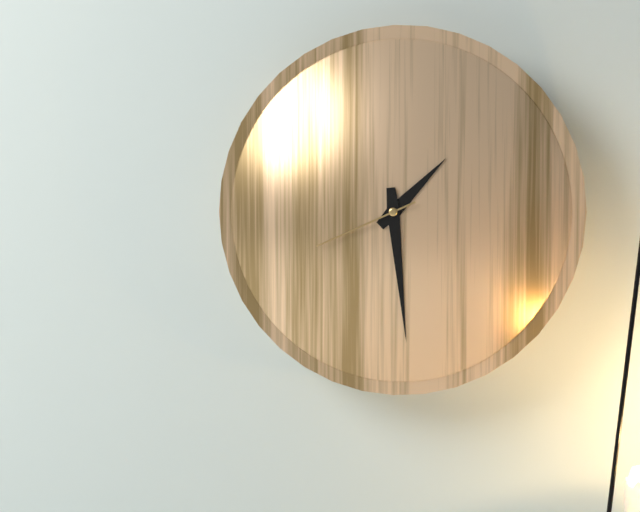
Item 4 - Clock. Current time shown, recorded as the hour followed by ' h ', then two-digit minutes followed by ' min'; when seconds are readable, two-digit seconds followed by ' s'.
1 h 29 min 41 s
